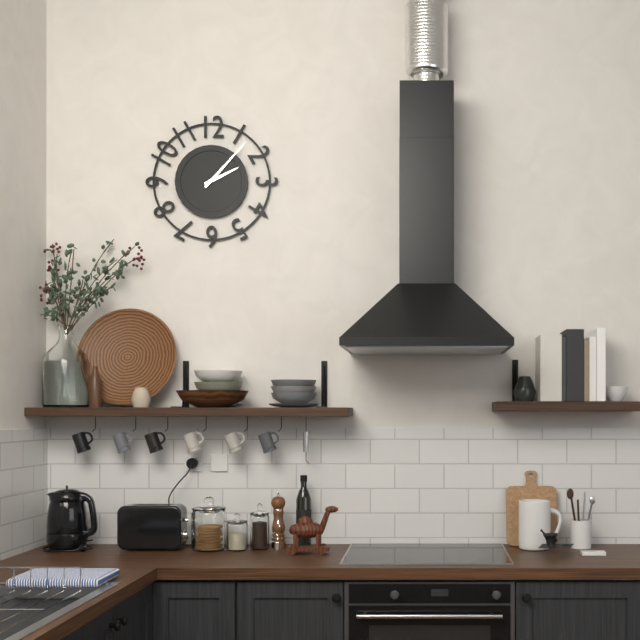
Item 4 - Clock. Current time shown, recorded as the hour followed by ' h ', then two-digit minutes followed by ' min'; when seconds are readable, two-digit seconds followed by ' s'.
2 h 07 min
